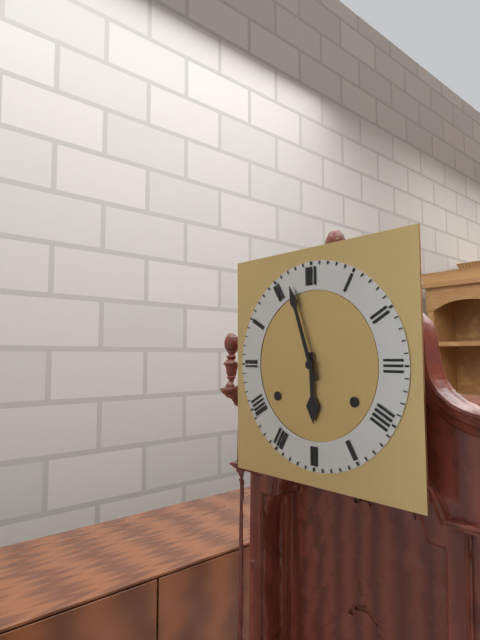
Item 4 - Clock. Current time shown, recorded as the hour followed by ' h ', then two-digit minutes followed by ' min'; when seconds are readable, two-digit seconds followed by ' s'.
5 h 57 min
